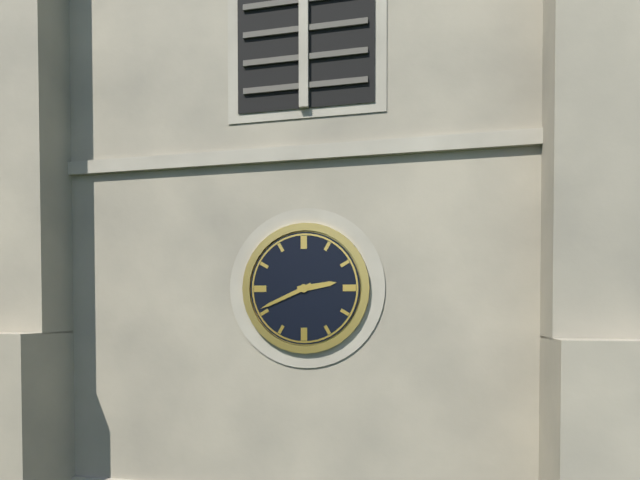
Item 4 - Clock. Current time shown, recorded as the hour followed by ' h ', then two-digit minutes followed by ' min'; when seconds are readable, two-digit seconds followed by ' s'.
2 h 41 min
